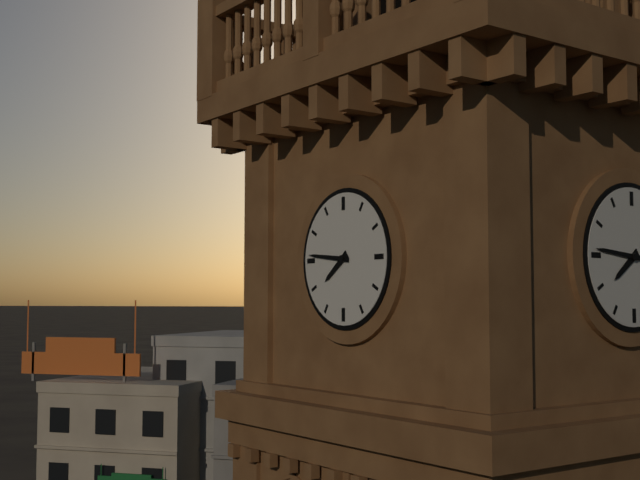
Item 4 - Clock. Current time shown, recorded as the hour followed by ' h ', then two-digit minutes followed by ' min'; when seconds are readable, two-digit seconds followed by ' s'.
7 h 46 min
